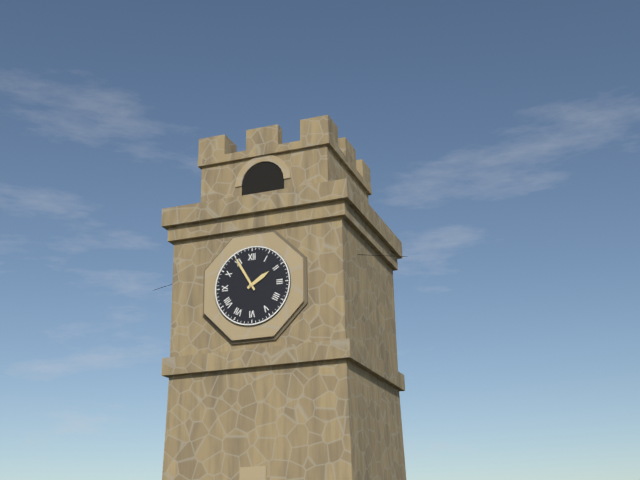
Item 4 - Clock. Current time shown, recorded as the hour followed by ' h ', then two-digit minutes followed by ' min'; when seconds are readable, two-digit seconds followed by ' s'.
1 h 55 min
